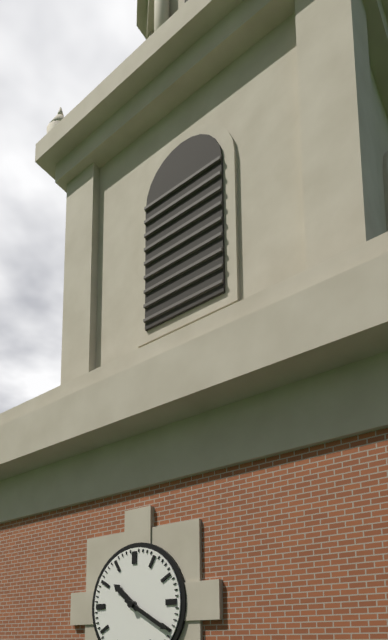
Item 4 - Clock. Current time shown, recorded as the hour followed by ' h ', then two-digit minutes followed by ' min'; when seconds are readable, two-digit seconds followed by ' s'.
10 h 20 min
